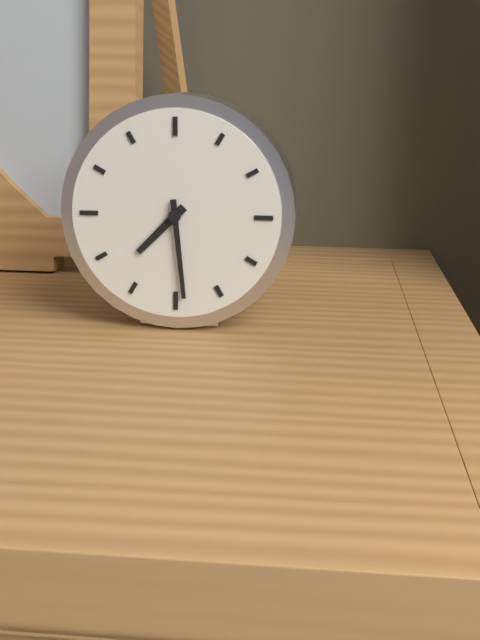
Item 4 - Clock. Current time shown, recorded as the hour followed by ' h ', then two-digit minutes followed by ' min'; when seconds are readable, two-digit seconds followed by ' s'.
7 h 29 min
